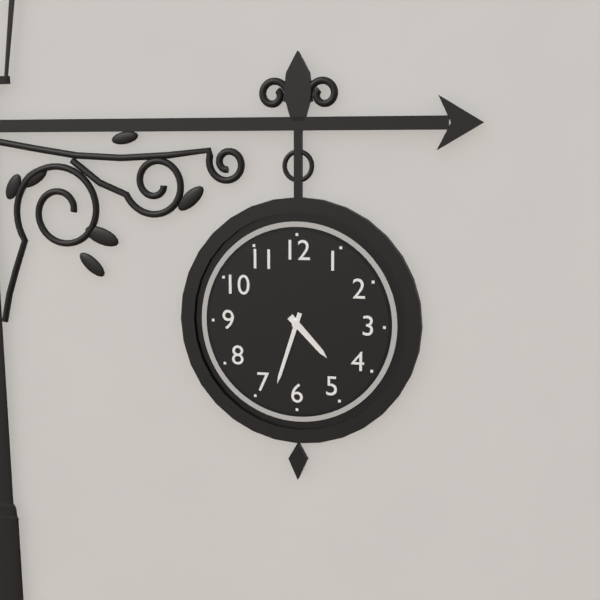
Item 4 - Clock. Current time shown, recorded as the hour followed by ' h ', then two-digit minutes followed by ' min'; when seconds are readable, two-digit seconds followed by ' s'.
4 h 33 min
